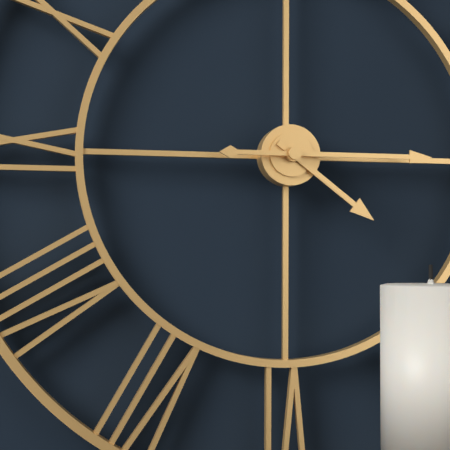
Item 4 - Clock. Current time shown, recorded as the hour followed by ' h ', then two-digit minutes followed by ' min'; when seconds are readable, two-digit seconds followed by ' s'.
4 h 15 min
